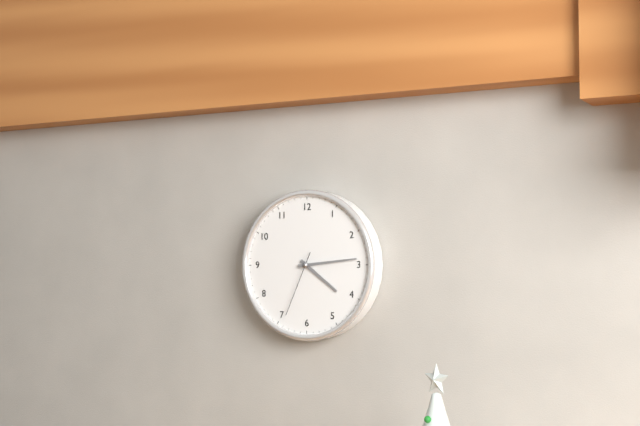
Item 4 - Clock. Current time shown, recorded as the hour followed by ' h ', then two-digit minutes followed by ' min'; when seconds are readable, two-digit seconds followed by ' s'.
4 h 14 min 34 s
